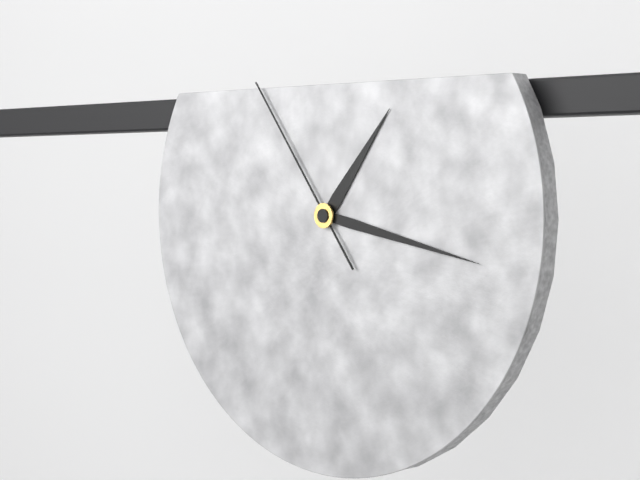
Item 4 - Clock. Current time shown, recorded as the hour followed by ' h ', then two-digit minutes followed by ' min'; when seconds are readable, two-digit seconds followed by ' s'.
1 h 17 min 54 s
